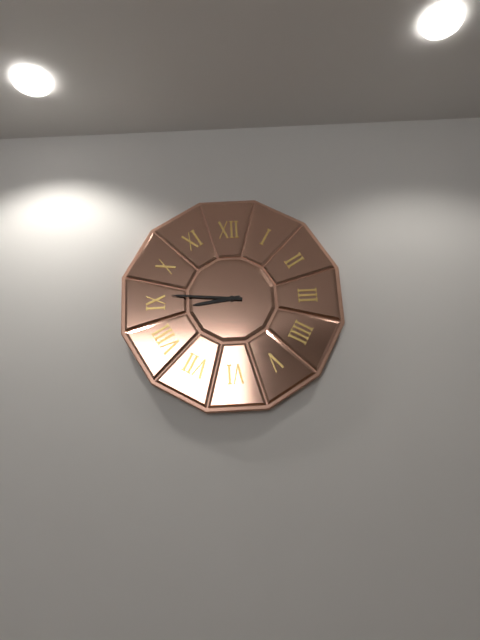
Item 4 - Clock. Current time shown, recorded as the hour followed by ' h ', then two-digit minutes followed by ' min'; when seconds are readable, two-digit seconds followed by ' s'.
8 h 46 min
